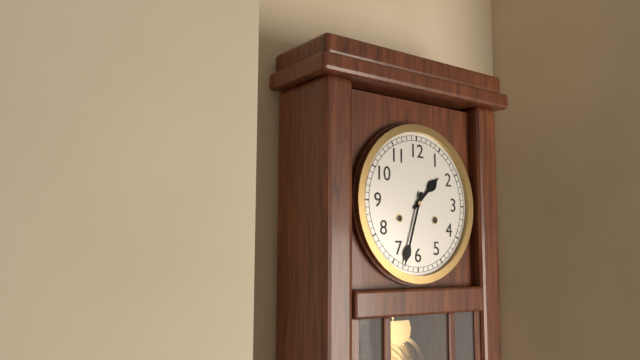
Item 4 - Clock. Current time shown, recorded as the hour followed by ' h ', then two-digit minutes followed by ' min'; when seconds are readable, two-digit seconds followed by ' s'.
1 h 33 min
